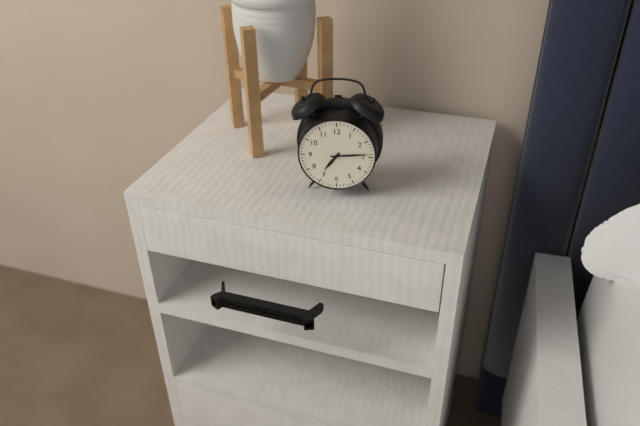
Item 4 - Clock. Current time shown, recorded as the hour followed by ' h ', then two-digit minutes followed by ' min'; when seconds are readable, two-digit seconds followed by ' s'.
7 h 14 min
